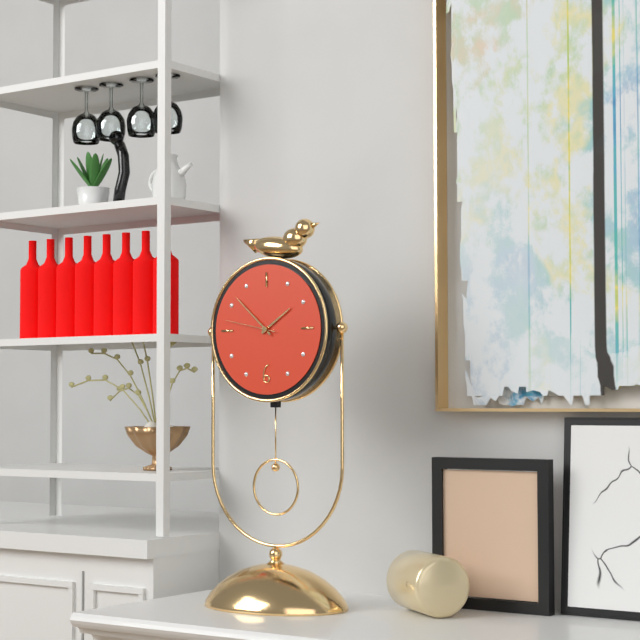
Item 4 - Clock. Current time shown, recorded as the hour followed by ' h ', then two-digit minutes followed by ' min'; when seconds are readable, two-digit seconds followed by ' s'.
1 h 52 min 47 s
